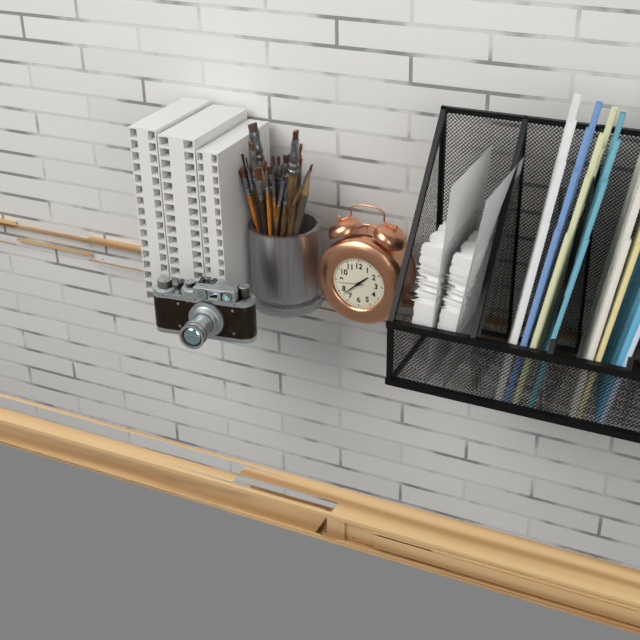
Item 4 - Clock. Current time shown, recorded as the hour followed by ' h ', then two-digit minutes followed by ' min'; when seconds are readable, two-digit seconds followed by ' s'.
1 h 38 min
